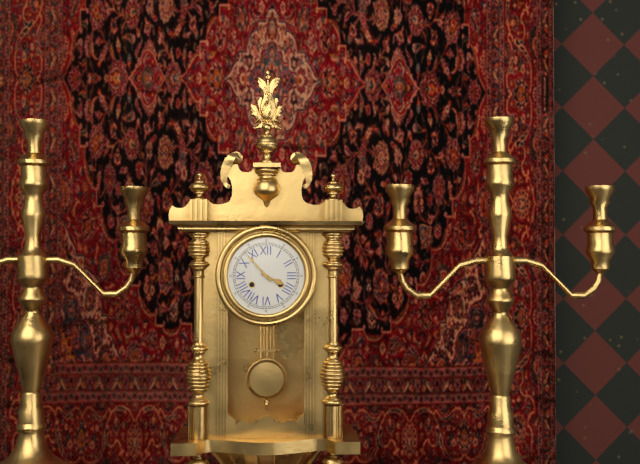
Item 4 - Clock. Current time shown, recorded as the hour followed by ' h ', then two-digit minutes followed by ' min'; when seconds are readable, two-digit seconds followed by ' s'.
3 h 53 min
